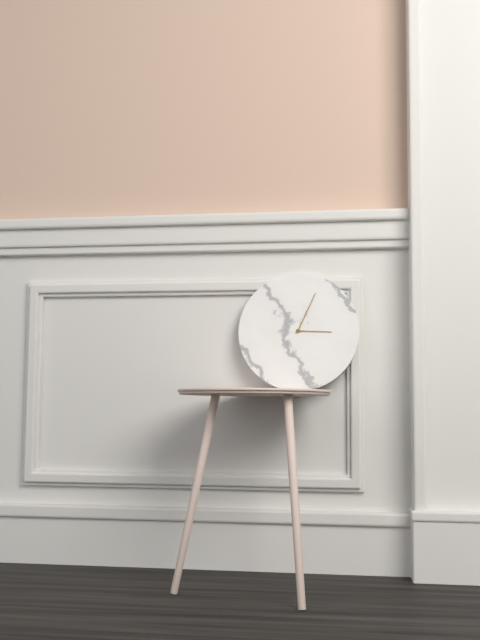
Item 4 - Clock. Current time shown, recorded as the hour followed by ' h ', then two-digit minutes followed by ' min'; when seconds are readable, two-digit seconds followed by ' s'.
3 h 04 min
